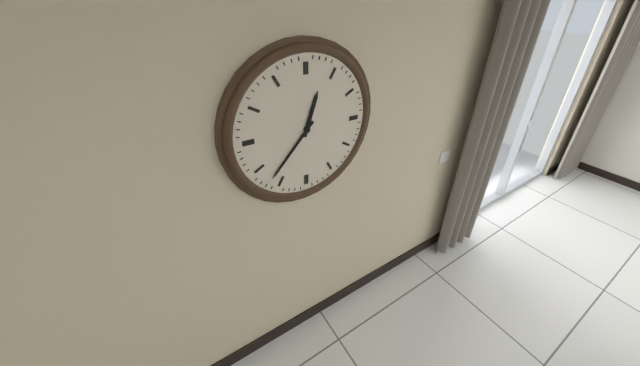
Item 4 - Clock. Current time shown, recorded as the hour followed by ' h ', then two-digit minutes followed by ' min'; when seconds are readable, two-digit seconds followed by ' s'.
12 h 37 min
